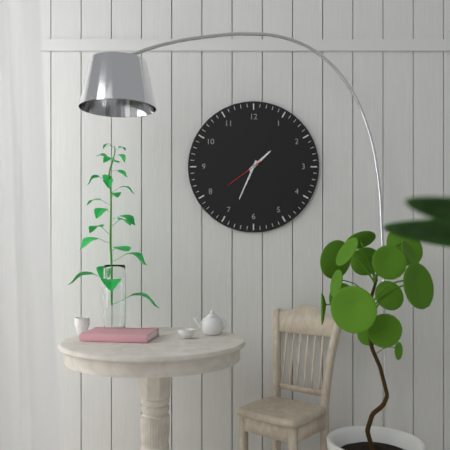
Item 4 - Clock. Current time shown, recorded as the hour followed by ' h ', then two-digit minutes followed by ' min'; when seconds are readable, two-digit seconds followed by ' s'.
1 h 34 min
